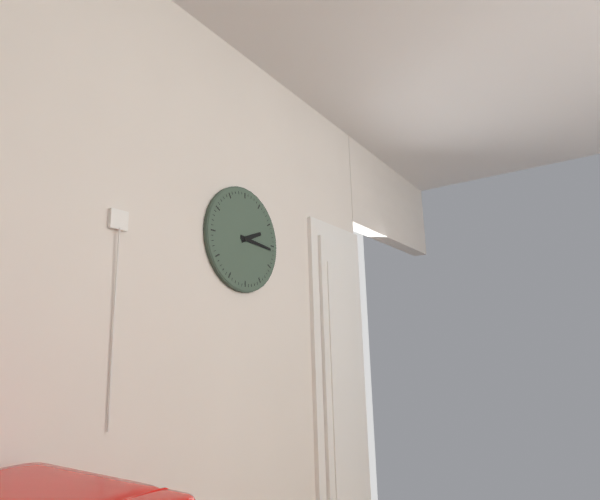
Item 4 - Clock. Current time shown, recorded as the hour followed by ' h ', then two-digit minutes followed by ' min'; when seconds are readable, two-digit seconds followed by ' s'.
2 h 16 min
